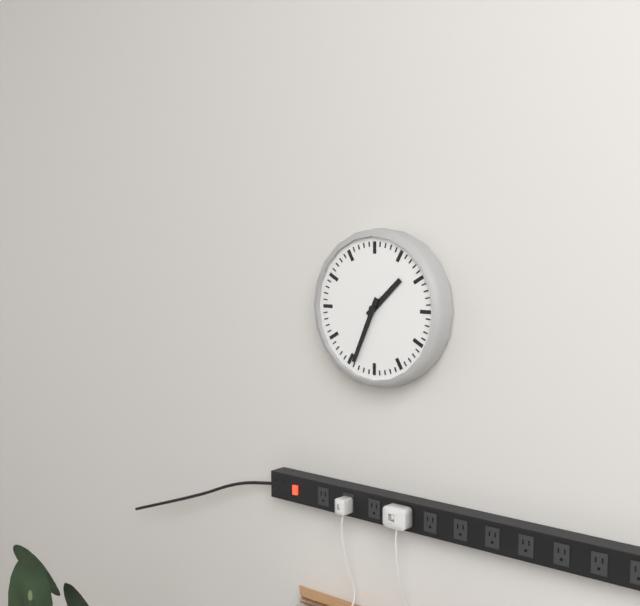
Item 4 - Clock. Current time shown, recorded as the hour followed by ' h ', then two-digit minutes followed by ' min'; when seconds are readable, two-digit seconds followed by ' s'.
1 h 34 min
